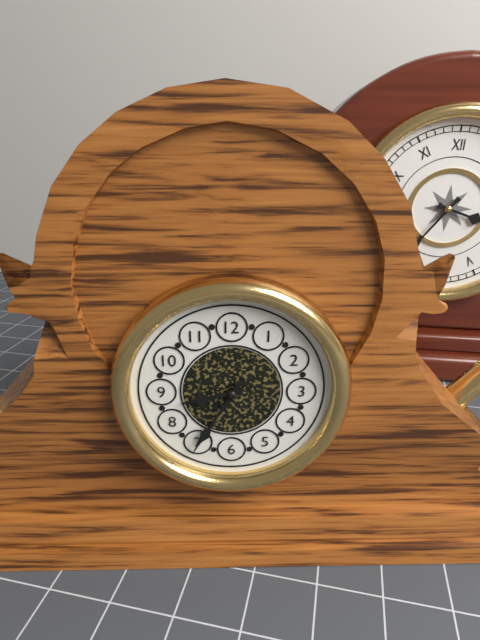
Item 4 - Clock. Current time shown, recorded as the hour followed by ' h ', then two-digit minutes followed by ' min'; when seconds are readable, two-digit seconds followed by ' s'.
8 h 35 min
